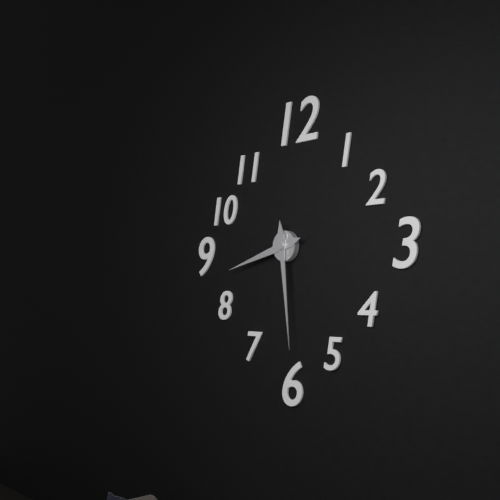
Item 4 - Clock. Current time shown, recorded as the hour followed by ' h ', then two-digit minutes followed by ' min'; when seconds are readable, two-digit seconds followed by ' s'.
8 h 29 min
